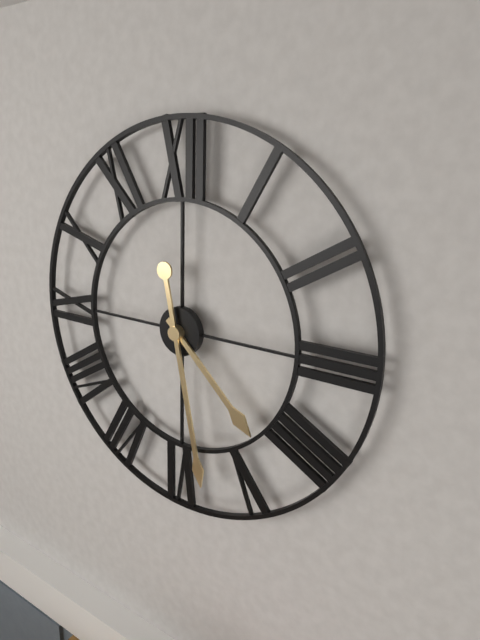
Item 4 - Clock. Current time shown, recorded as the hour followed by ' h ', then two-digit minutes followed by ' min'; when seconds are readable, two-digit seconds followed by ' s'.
4 h 28 min
